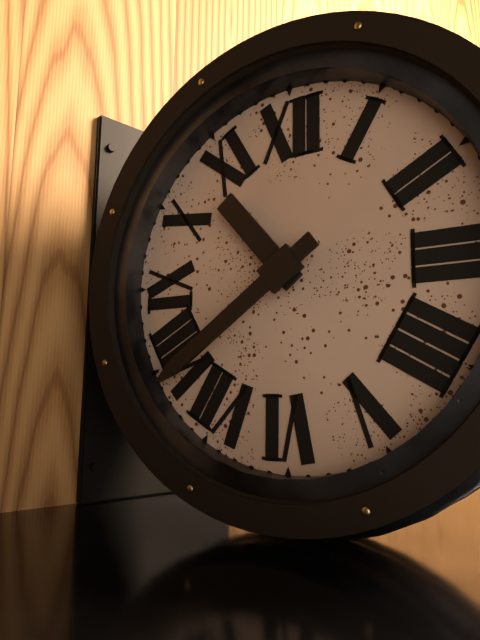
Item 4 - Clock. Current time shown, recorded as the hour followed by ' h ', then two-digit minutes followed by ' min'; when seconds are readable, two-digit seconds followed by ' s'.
10 h 39 min
